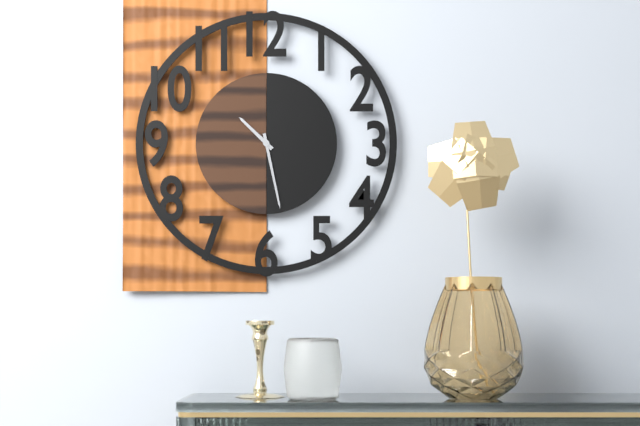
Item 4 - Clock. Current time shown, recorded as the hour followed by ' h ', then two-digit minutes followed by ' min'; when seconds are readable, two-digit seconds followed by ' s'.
10 h 28 min
